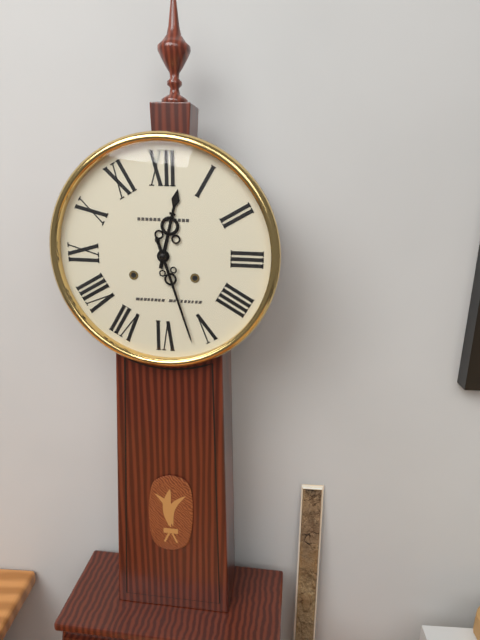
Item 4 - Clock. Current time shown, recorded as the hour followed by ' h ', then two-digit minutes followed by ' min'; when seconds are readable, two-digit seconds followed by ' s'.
12 h 27 min
